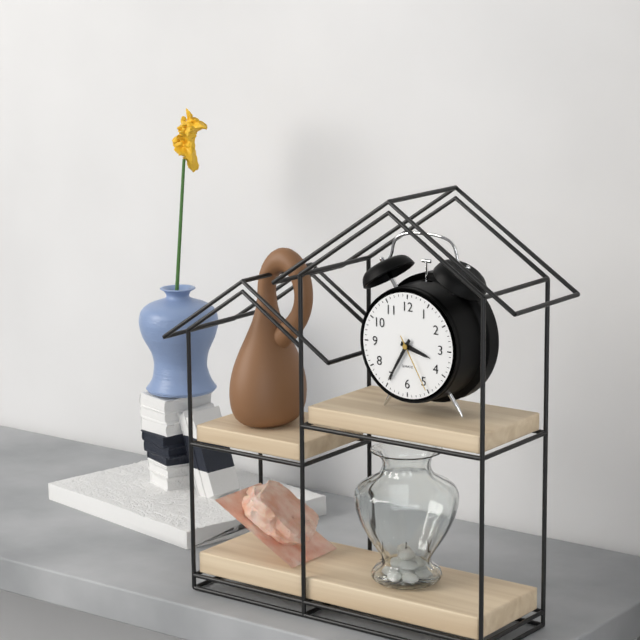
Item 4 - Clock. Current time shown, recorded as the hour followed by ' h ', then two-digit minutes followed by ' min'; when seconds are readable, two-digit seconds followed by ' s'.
3 h 35 min 25 s
